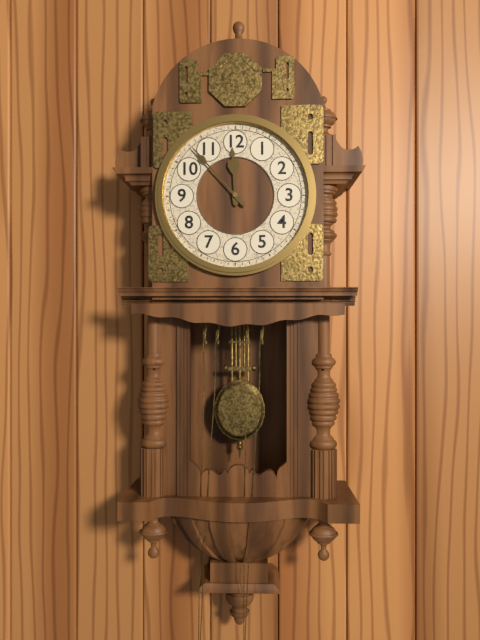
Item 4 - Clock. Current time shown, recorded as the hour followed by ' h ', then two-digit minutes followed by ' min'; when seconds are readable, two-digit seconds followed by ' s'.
11 h 53 min
